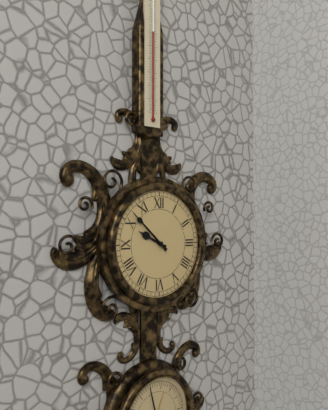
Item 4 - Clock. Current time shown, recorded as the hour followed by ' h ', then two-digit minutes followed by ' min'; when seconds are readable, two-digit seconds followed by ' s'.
9 h 52 min
